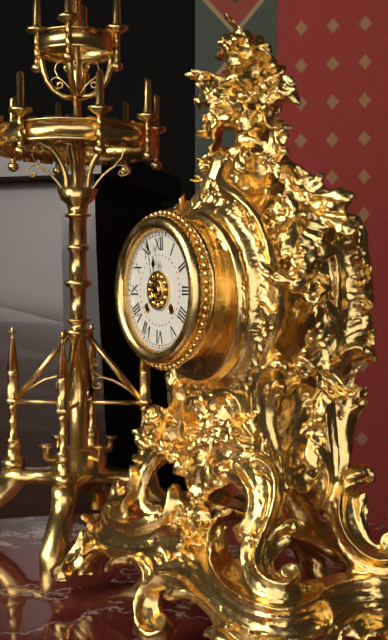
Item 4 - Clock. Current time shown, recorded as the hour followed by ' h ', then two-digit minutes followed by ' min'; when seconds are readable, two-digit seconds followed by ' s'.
11 h 58 min
